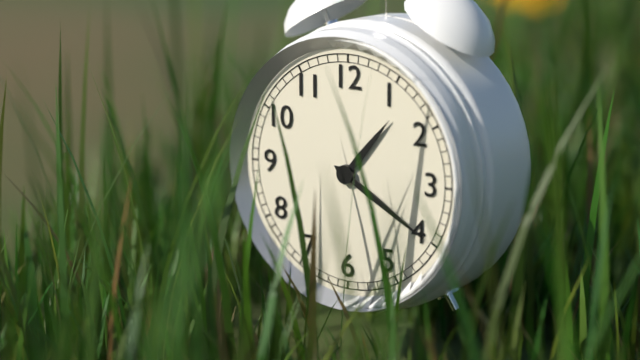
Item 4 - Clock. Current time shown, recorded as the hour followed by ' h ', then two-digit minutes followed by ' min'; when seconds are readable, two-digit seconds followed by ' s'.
1 h 20 min
